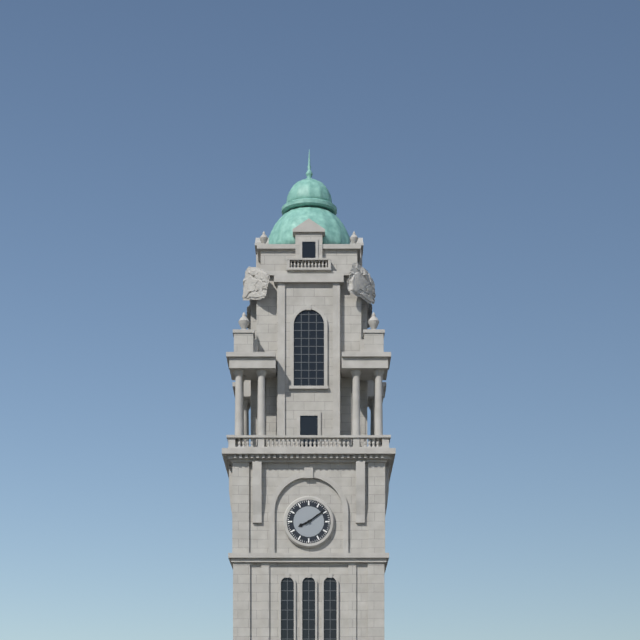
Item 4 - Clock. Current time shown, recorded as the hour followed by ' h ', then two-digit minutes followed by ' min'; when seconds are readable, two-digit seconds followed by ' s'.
8 h 09 min
